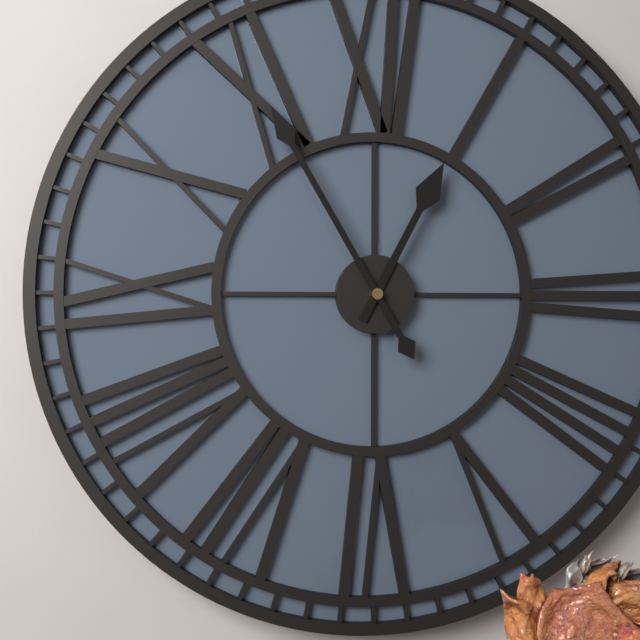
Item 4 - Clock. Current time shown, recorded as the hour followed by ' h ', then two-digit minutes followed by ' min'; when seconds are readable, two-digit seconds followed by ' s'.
12 h 55 min
